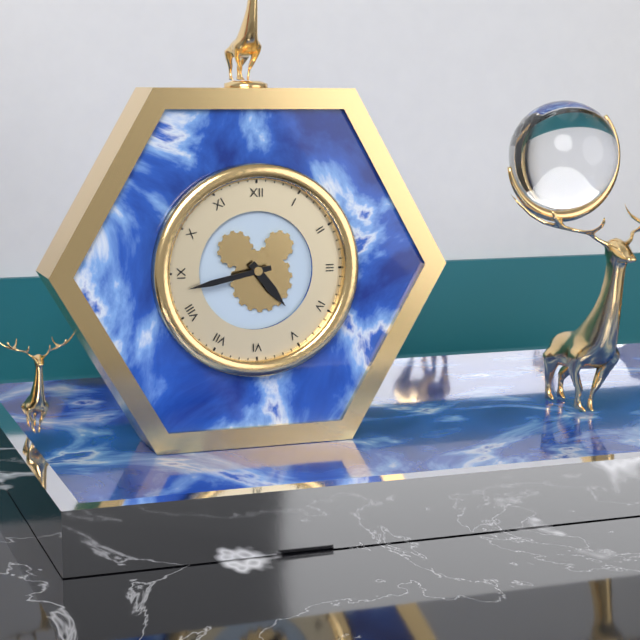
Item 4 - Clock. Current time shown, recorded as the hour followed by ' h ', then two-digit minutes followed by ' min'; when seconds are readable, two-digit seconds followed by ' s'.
4 h 43 min
